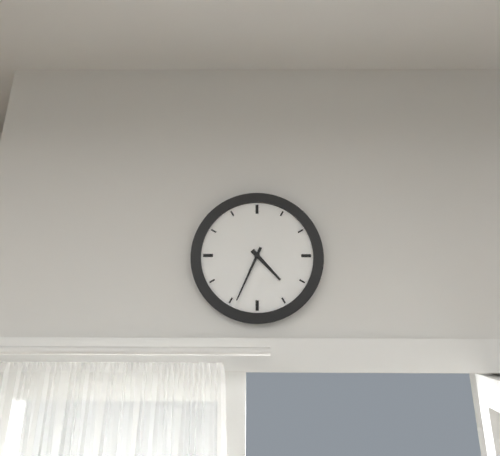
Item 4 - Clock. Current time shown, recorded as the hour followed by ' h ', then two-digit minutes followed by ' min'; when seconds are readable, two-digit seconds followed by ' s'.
4 h 34 min
